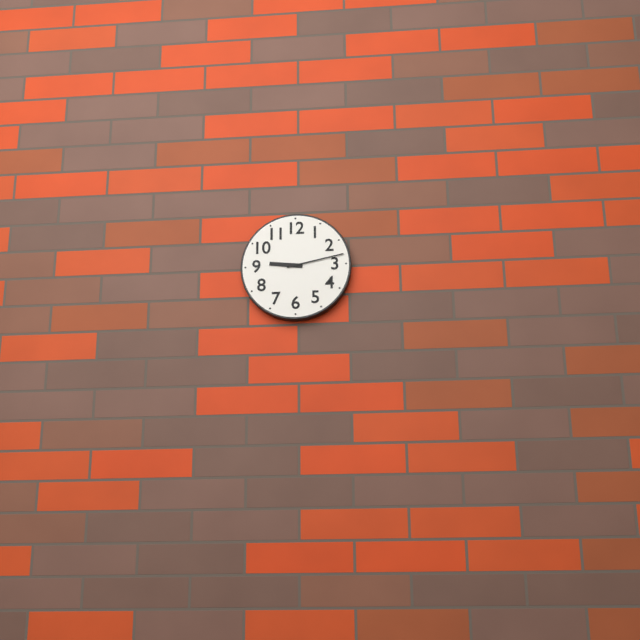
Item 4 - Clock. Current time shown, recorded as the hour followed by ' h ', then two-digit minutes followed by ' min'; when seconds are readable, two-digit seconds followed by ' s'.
9 h 13 min
